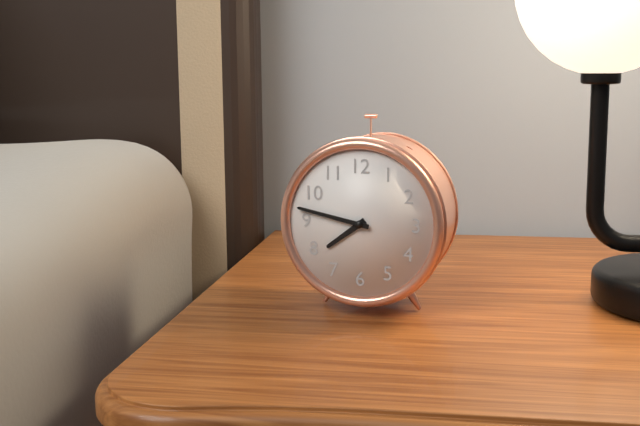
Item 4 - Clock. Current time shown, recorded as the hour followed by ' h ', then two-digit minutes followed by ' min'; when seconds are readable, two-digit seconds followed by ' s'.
7 h 47 min
